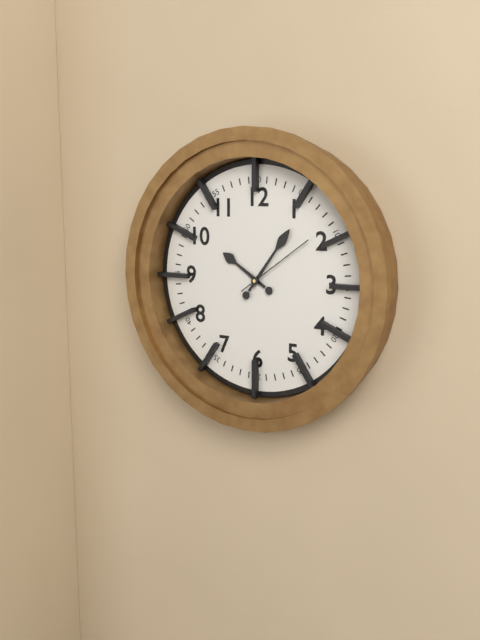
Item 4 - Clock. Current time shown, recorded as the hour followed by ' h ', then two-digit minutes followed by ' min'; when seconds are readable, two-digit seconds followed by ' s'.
10 h 06 min 09 s
